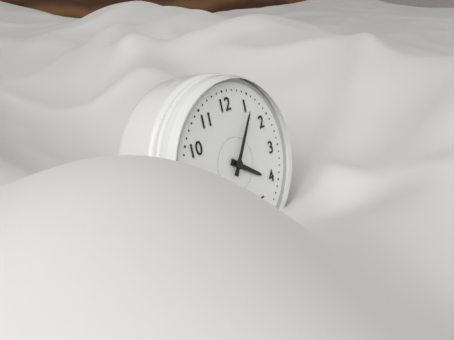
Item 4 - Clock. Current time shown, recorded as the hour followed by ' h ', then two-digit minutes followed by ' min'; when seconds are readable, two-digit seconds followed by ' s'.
4 h 06 min
